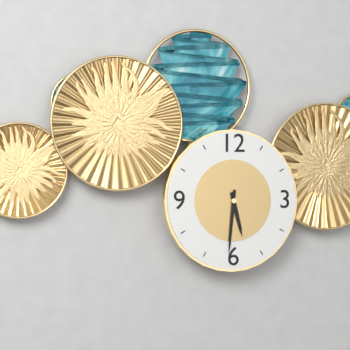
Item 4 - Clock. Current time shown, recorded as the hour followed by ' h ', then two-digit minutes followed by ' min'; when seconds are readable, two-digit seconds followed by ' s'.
5 h 31 min
